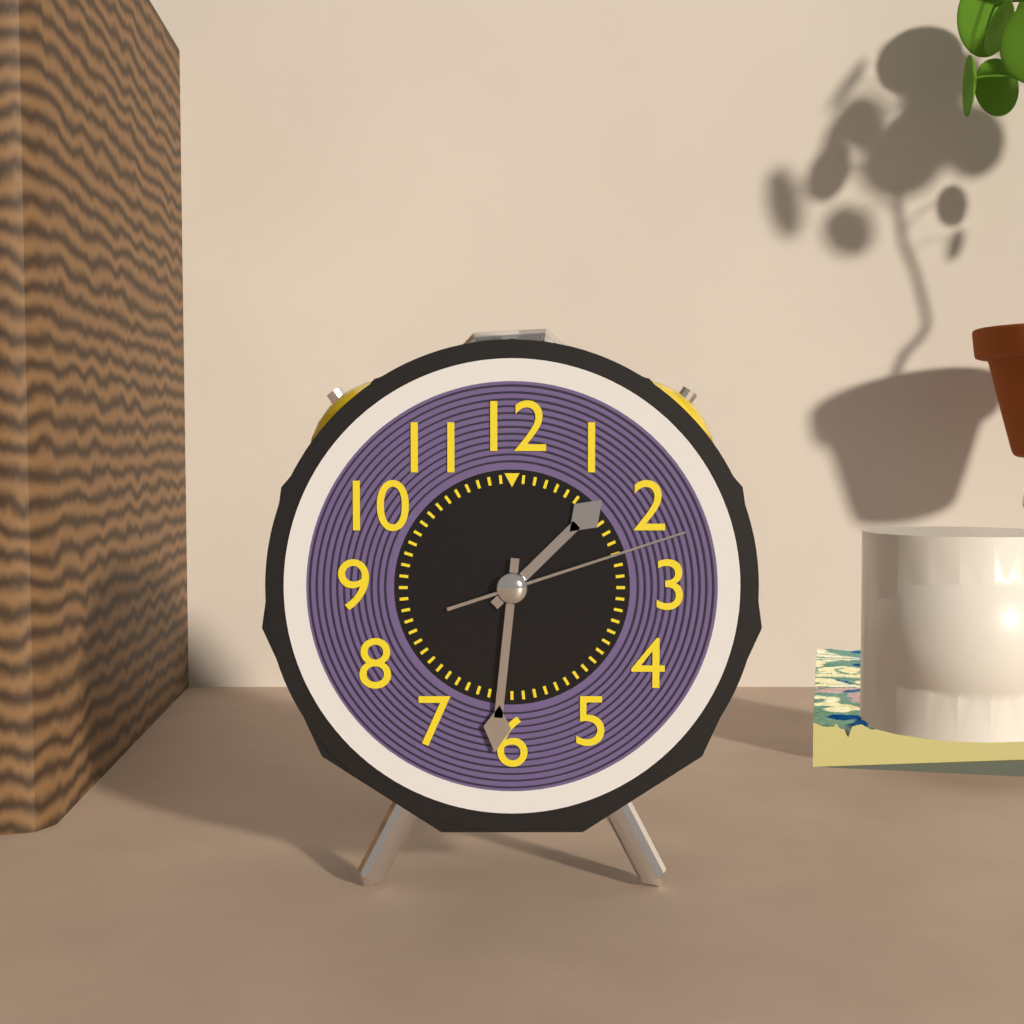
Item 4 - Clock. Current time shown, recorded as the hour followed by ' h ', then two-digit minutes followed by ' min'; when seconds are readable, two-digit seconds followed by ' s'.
1 h 31 min 12 s
